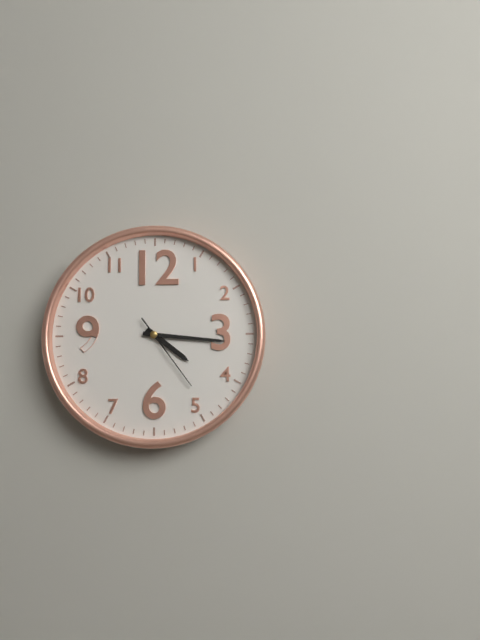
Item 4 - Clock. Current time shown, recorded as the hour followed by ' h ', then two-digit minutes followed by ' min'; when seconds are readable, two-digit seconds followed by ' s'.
4 h 16 min 24 s
